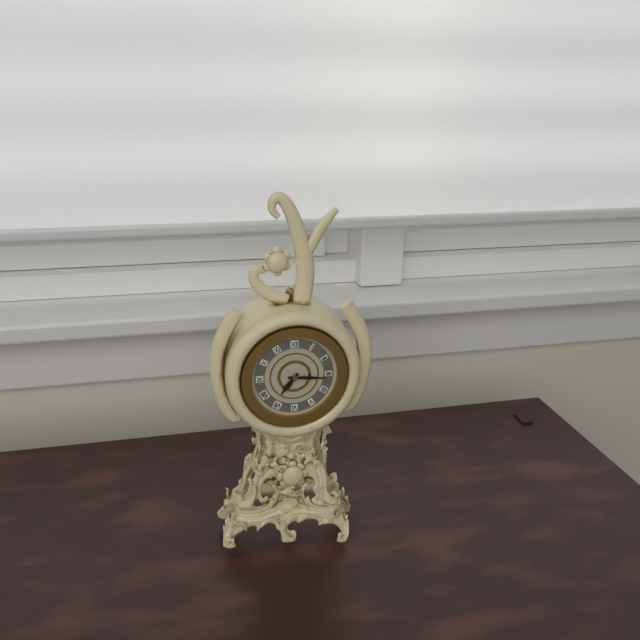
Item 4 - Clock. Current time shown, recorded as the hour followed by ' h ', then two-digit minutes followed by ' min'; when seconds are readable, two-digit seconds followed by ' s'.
7 h 16 min
